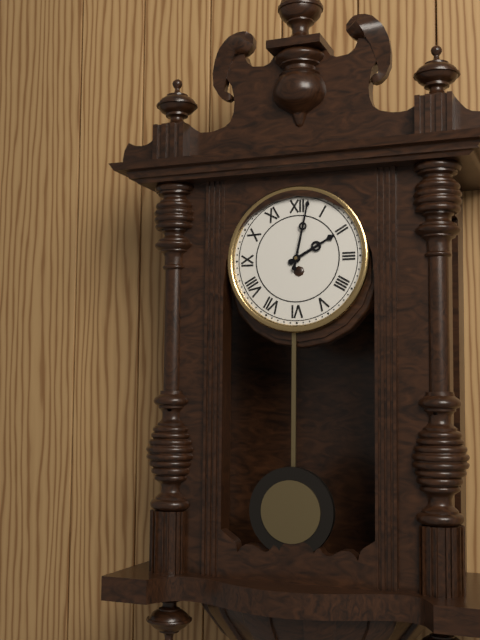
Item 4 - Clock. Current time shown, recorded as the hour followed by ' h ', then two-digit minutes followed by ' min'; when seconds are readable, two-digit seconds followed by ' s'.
2 h 02 min
